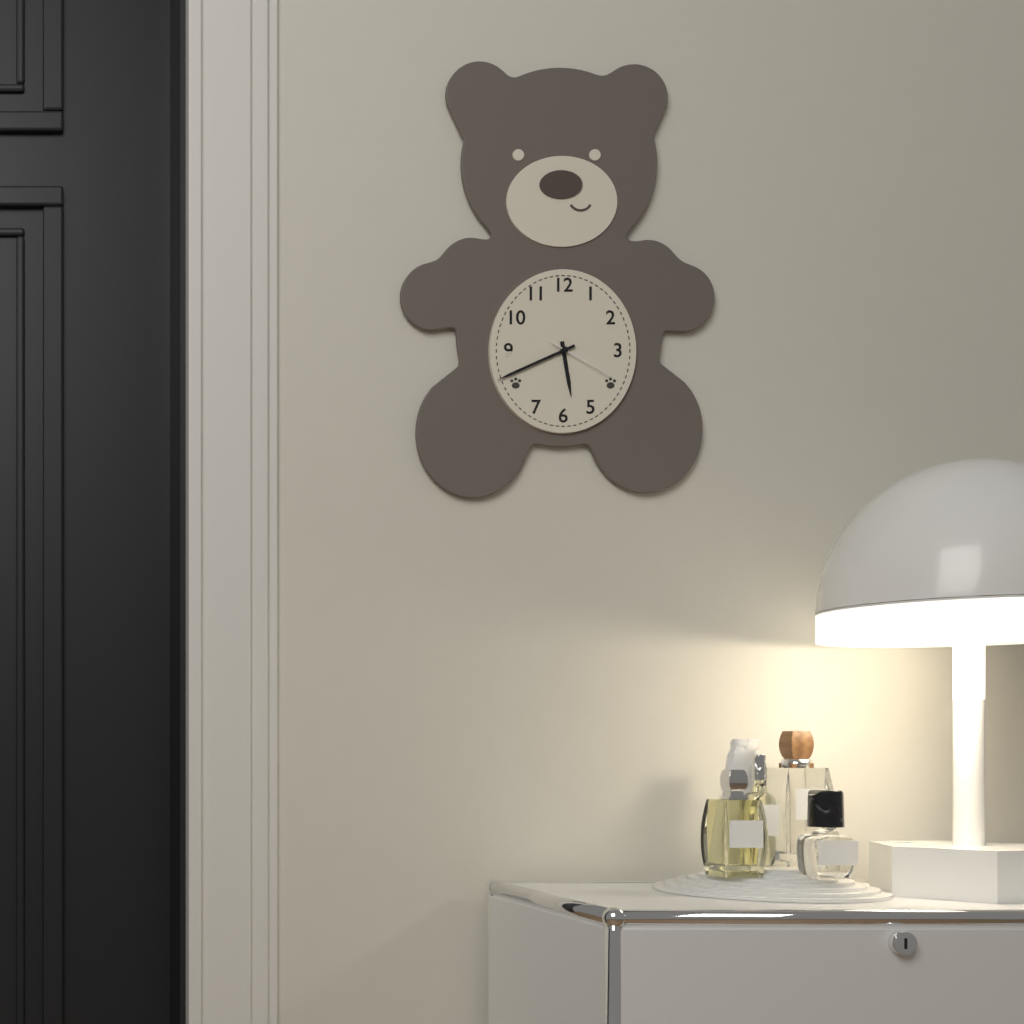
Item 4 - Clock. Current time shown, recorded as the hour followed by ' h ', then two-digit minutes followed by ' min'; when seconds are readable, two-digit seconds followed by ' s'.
5 h 41 min 20 s
